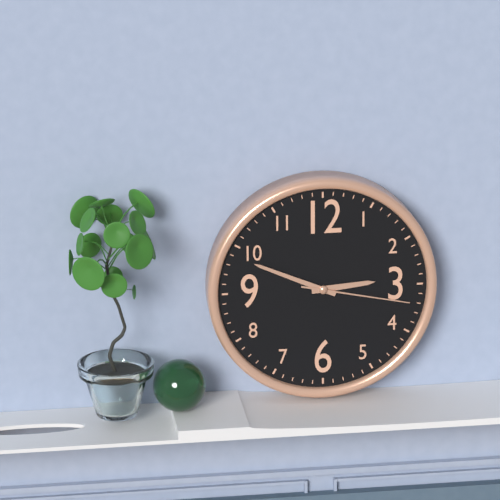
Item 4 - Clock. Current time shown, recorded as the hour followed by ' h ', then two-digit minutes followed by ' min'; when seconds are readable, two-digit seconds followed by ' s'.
2 h 49 min 17 s
